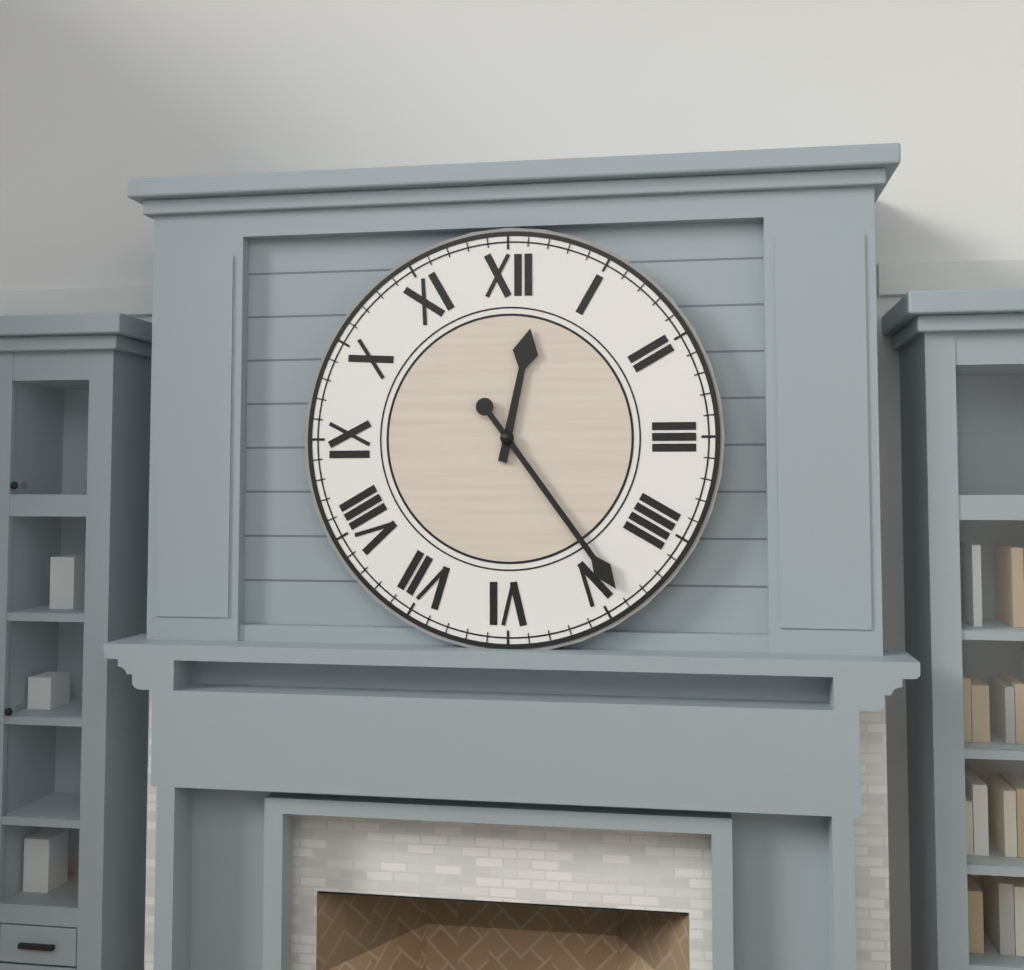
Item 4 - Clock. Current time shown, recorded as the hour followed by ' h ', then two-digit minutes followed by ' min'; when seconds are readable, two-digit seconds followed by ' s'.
12 h 24 min
